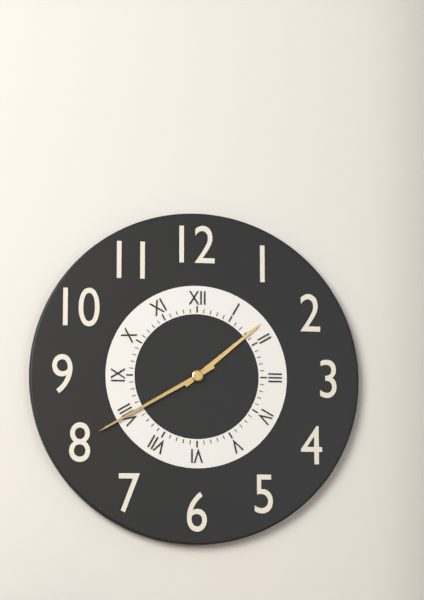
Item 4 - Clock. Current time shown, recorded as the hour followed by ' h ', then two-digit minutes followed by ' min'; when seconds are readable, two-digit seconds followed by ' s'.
1 h 40 min
